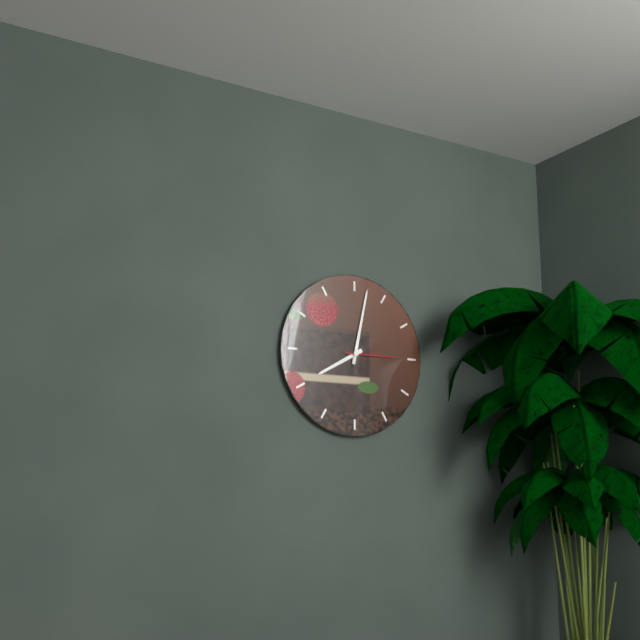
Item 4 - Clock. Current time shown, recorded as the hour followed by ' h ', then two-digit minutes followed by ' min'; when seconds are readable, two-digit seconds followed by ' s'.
8 h 02 min 15 s
